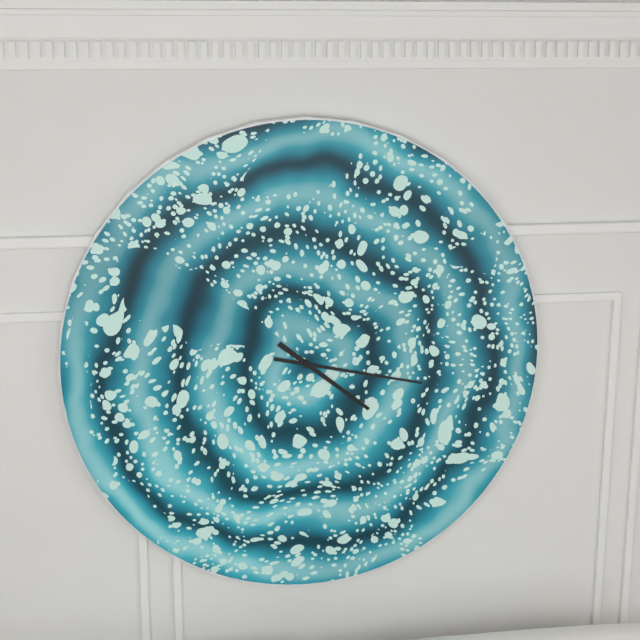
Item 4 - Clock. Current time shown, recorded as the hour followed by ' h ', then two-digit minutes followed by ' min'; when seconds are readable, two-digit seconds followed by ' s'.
4 h 17 min
